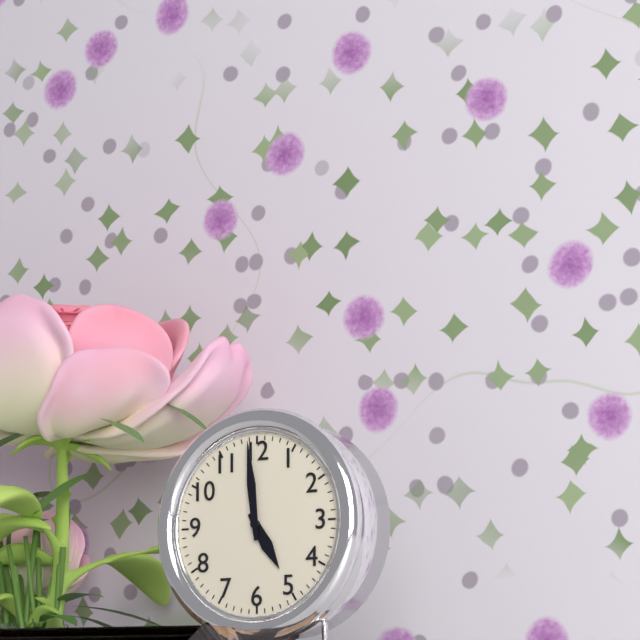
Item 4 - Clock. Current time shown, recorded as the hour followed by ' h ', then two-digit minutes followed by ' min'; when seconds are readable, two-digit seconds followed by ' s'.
4 h 59 min
